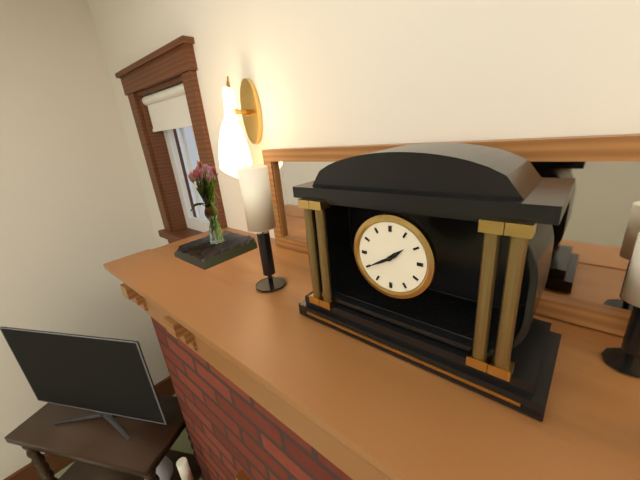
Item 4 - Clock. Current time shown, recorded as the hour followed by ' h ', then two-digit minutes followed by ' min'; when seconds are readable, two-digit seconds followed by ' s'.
1 h 40 min
